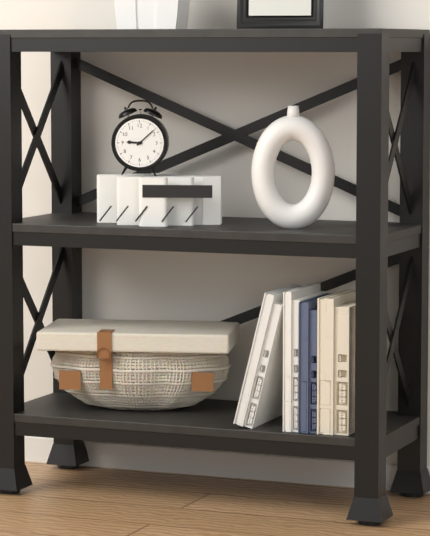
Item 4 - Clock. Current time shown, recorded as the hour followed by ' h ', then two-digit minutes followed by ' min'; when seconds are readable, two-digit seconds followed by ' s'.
9 h 08 min
